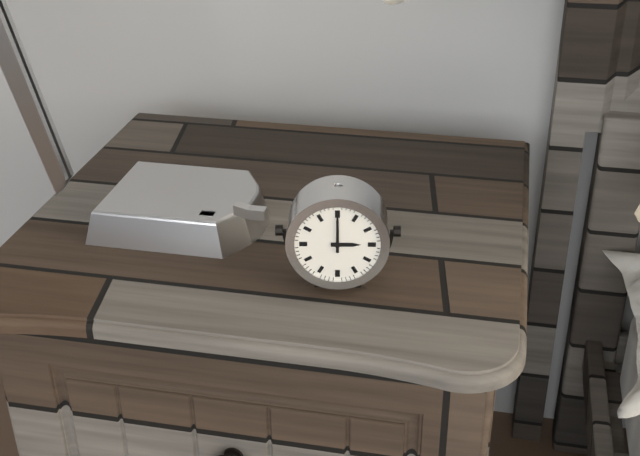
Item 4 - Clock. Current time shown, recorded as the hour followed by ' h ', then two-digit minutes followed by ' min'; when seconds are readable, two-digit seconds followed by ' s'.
3 h 00 min
